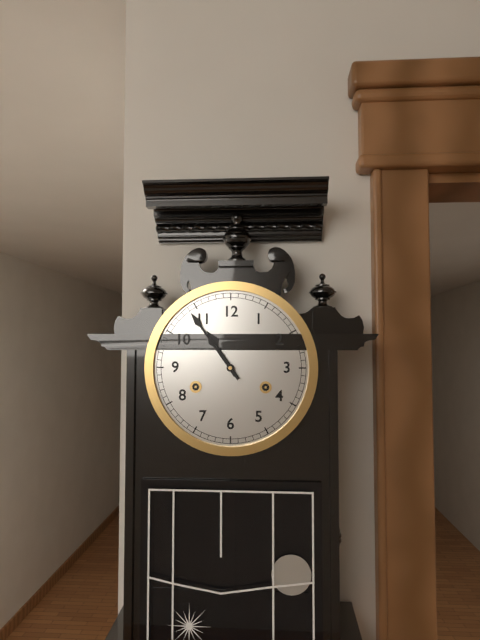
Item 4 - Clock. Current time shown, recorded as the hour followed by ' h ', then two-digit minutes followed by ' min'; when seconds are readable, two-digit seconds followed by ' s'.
10 h 54 min
